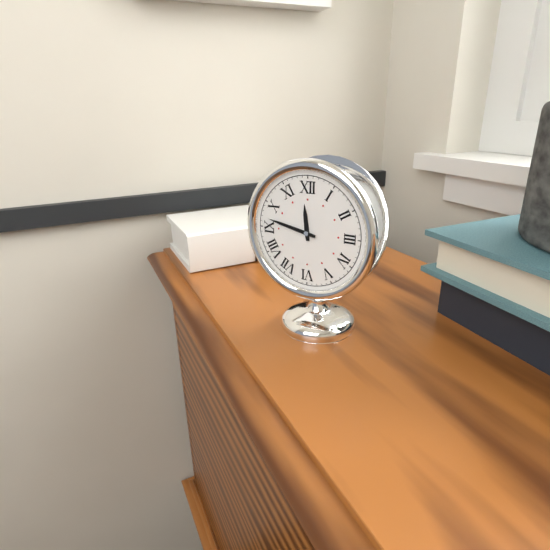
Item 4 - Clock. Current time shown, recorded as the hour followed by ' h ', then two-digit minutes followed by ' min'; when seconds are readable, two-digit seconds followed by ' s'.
11 h 47 min
